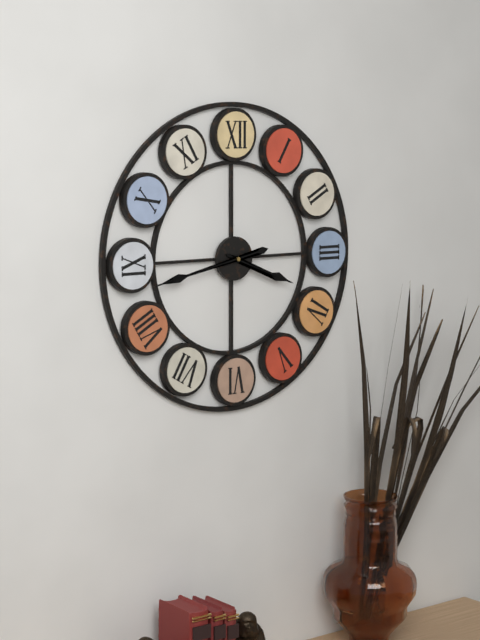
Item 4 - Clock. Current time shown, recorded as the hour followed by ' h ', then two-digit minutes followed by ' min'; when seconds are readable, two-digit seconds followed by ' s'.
3 h 43 min
